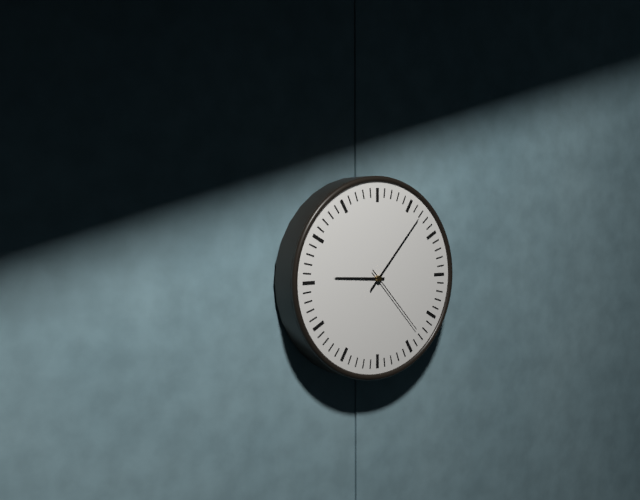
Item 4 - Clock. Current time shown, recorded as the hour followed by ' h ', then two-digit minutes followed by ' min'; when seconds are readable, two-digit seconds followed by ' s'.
9 h 07 min 23 s
